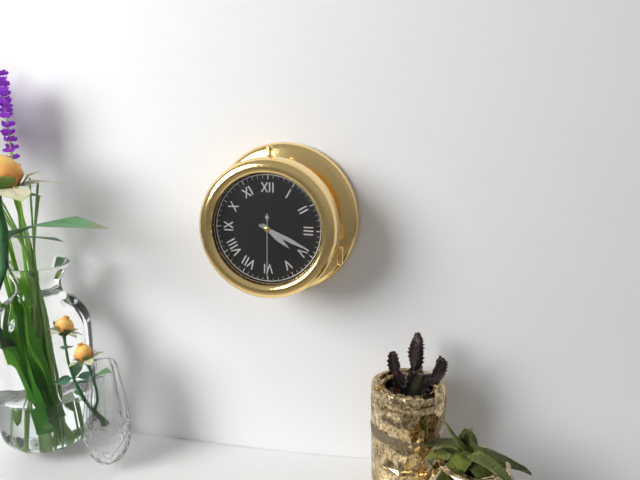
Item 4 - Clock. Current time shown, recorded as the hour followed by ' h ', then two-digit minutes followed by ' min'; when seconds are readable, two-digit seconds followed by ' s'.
4 h 19 min 30 s
